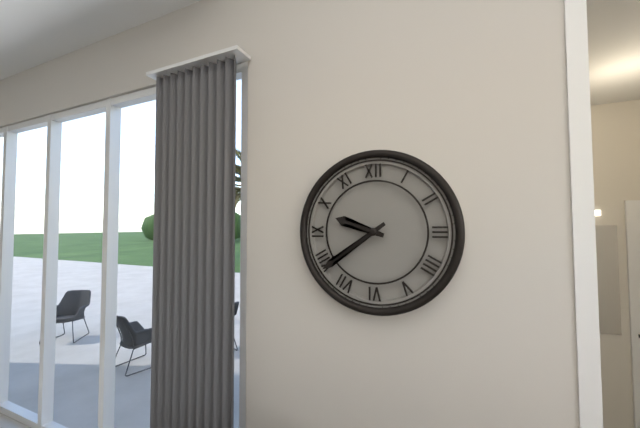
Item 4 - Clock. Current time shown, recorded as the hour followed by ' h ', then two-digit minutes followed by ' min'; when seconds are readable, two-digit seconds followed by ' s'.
9 h 39 min
